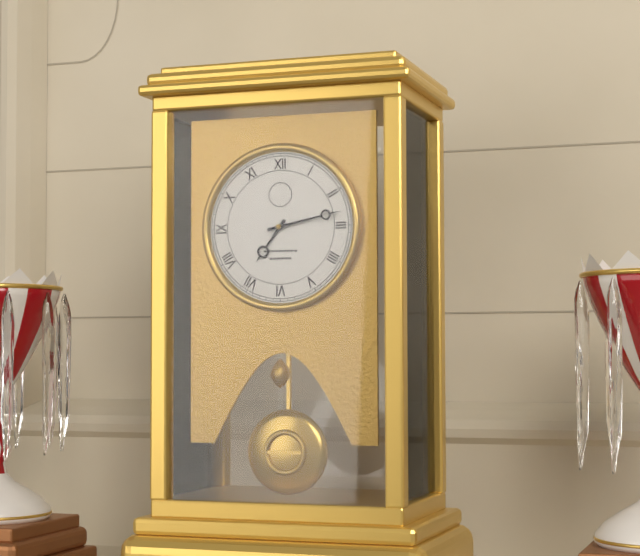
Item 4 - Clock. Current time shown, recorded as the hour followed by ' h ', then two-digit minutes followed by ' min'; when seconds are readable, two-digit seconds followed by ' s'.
7 h 13 min
